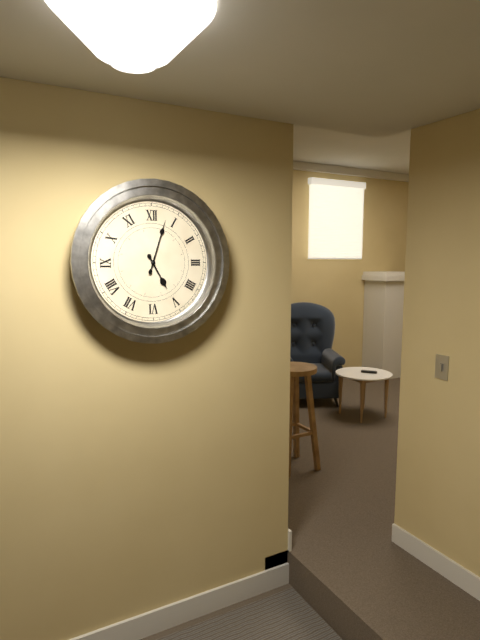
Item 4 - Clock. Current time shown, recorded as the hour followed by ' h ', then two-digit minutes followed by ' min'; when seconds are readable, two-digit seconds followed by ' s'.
5 h 03 min
